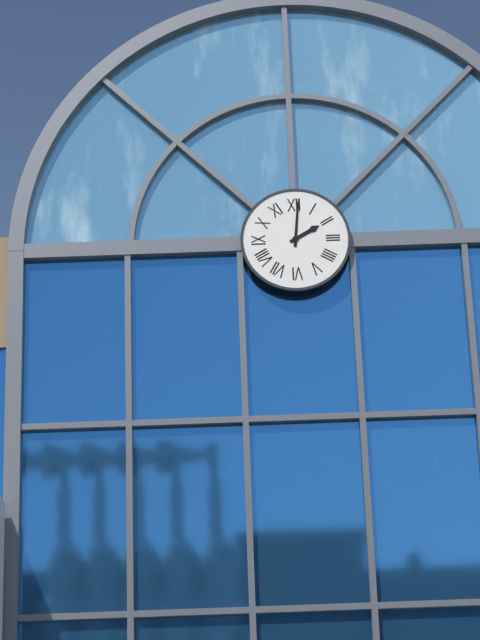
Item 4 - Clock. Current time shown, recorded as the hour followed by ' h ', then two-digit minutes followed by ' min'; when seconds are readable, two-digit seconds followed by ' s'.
2 h 01 min
